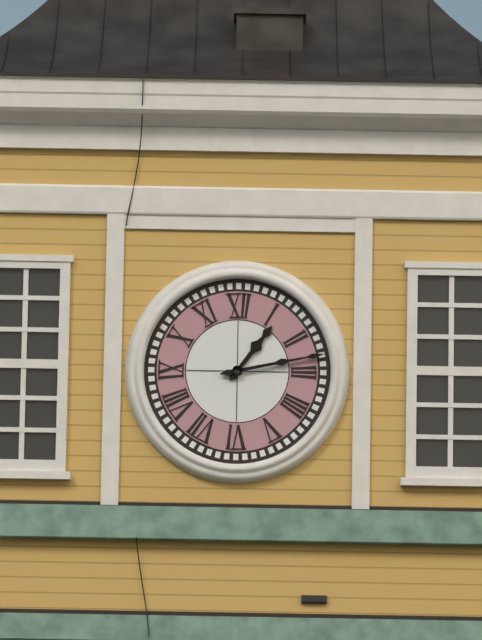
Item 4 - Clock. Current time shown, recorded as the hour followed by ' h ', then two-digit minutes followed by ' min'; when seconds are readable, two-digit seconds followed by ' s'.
1 h 13 min
